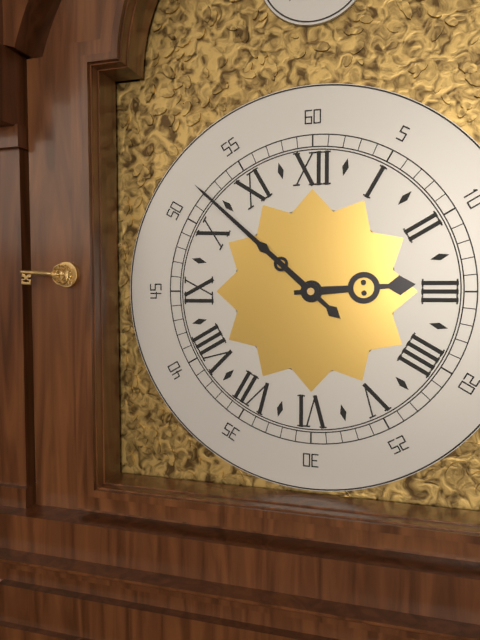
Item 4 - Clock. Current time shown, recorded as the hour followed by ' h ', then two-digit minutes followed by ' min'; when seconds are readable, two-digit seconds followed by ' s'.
2 h 52 min
